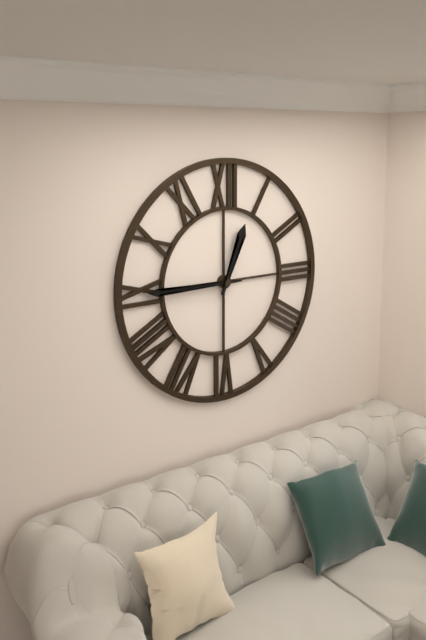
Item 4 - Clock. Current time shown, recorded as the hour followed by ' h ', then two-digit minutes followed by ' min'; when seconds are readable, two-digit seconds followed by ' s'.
12 h 45 min
